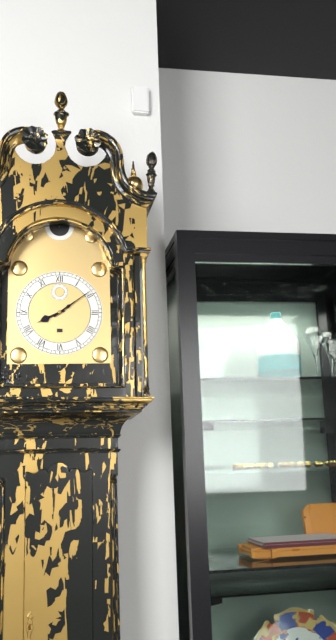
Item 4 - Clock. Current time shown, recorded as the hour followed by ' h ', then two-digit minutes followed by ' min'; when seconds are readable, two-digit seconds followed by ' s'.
8 h 09 min
